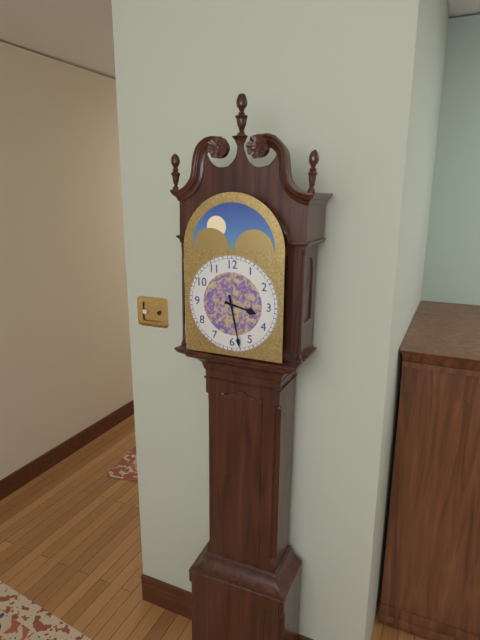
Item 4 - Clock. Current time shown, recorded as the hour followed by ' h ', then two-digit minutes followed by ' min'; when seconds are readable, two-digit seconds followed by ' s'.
3 h 28 min
